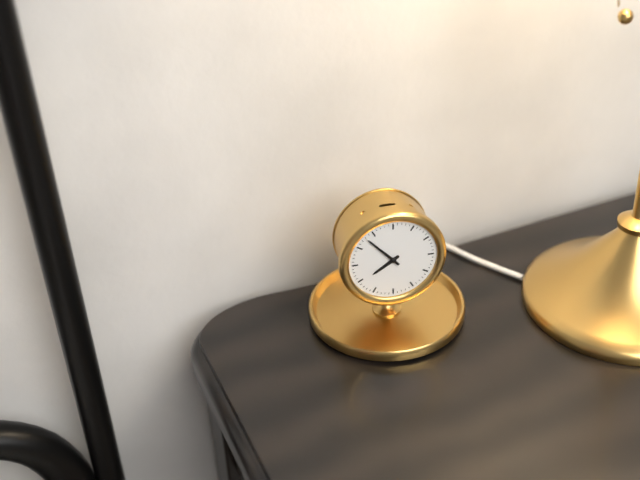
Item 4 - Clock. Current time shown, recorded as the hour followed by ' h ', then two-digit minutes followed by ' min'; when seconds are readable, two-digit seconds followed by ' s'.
7 h 53 min
